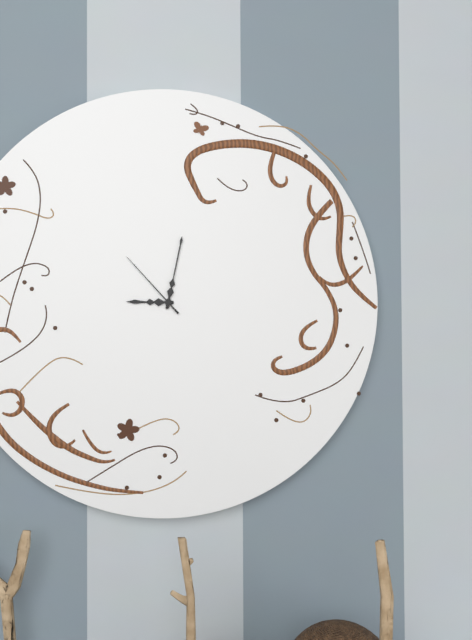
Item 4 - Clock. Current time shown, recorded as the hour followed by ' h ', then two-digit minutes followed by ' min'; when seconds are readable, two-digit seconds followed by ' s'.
9 h 02 min 53 s
